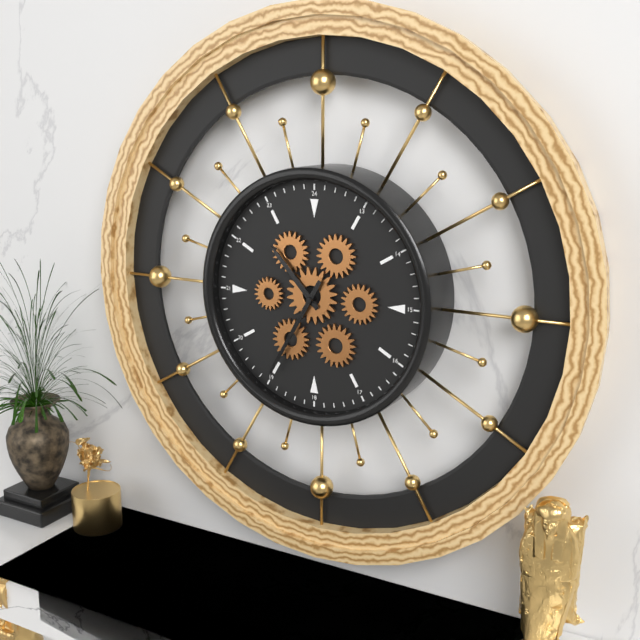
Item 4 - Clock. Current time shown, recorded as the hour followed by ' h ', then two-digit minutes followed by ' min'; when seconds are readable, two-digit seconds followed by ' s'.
10 h 35 min
